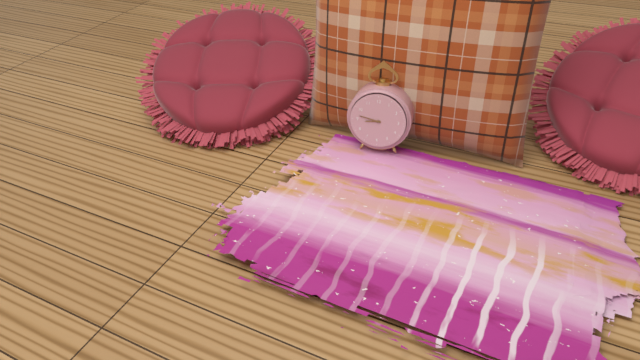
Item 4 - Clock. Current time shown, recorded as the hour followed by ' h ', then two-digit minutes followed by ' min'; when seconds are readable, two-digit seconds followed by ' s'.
8 h 47 min
